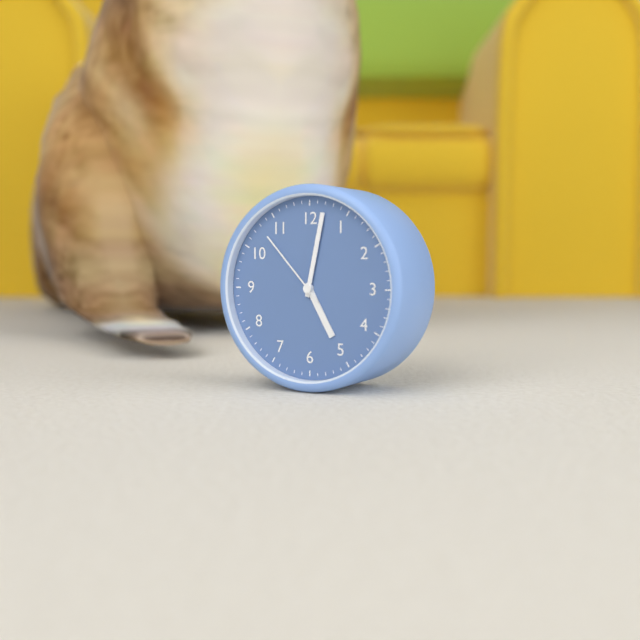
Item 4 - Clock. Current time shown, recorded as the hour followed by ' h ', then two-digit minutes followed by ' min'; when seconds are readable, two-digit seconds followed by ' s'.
5 h 02 min 53 s
